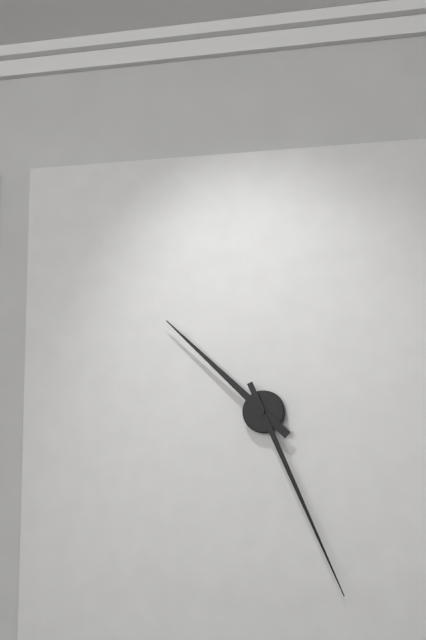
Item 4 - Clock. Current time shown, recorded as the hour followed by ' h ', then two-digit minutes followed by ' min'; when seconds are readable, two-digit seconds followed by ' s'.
10 h 26 min
